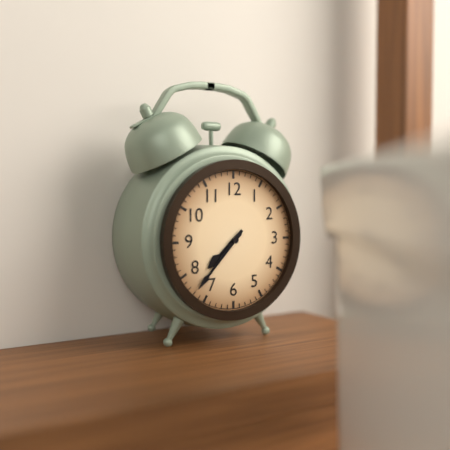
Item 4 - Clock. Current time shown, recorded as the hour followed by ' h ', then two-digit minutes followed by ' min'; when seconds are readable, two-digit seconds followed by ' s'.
7 h 37 min
